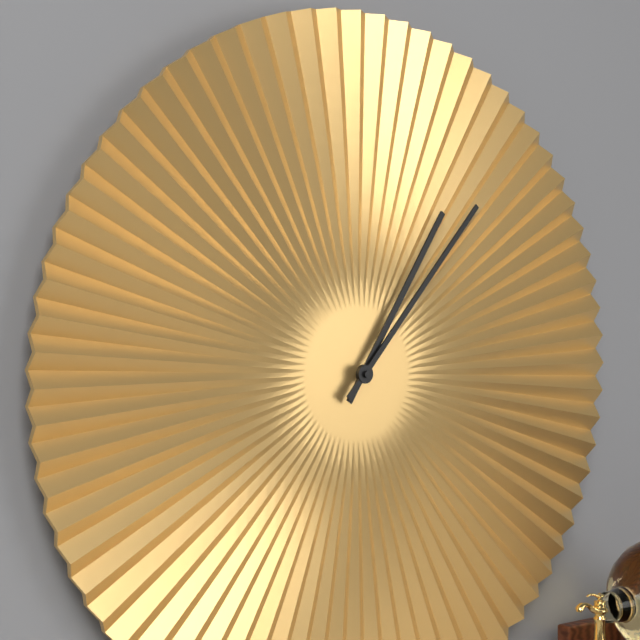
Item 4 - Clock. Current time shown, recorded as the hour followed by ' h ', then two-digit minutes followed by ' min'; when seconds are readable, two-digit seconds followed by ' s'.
1 h 07 min
